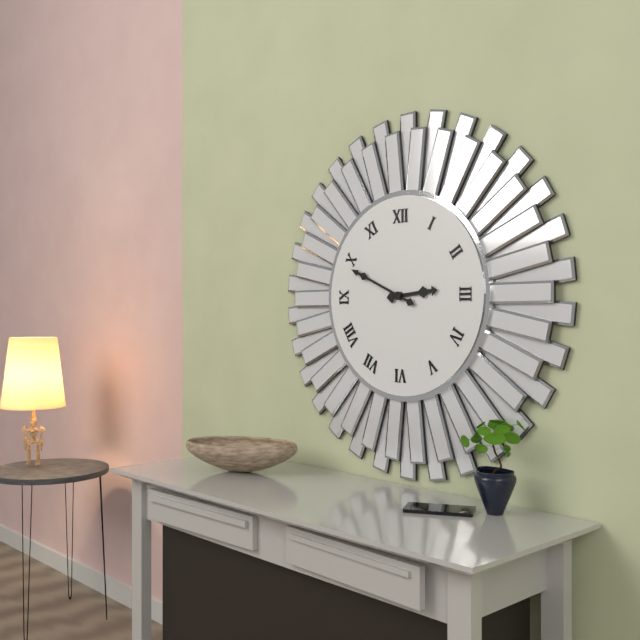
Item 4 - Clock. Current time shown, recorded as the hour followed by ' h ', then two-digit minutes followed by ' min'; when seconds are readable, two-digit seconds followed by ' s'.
2 h 49 min
